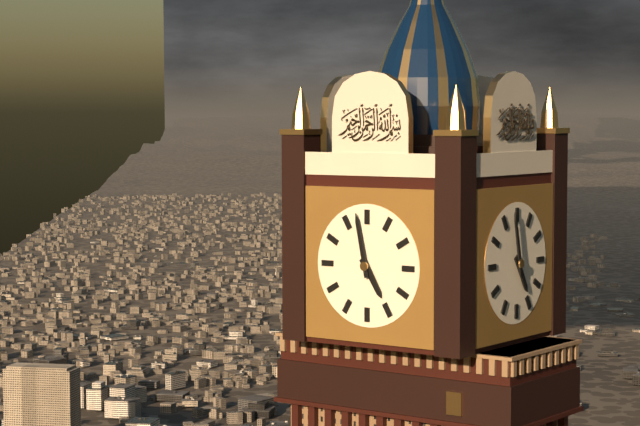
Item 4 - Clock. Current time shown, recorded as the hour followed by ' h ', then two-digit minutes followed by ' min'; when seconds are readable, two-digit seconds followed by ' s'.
4 h 58 min
